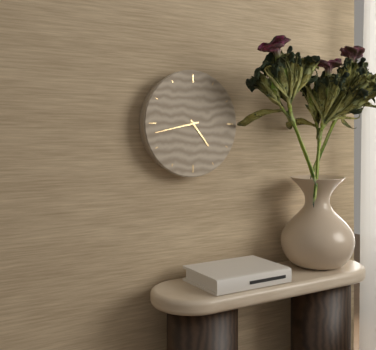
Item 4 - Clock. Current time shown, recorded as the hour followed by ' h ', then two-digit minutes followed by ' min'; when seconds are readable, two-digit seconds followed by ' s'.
4 h 43 min
